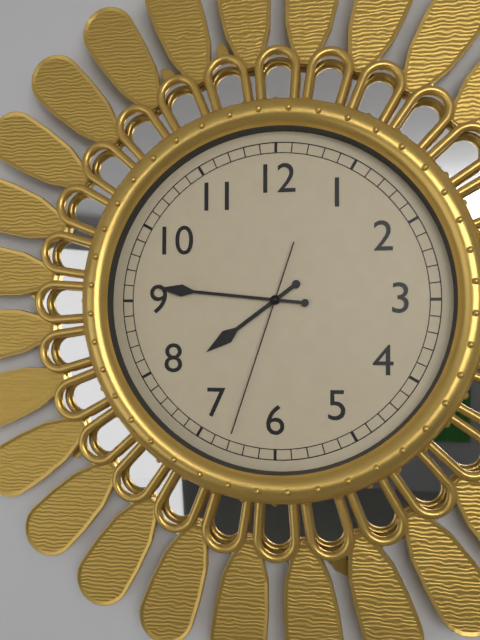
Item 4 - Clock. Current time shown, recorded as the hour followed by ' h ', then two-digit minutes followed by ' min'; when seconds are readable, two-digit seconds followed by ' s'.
7 h 46 min 33 s
